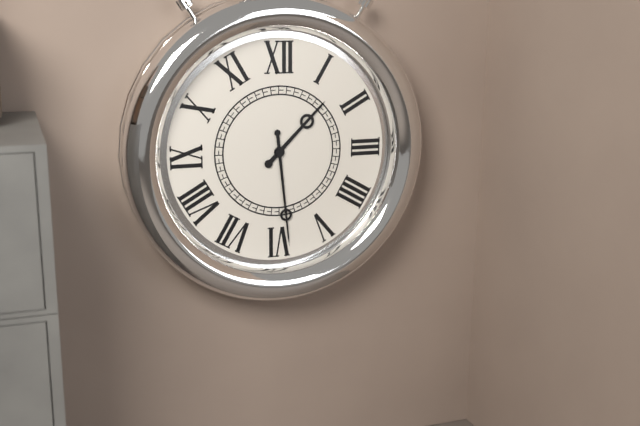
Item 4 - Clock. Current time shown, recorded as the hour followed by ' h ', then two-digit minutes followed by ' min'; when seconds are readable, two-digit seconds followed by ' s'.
1 h 29 min
